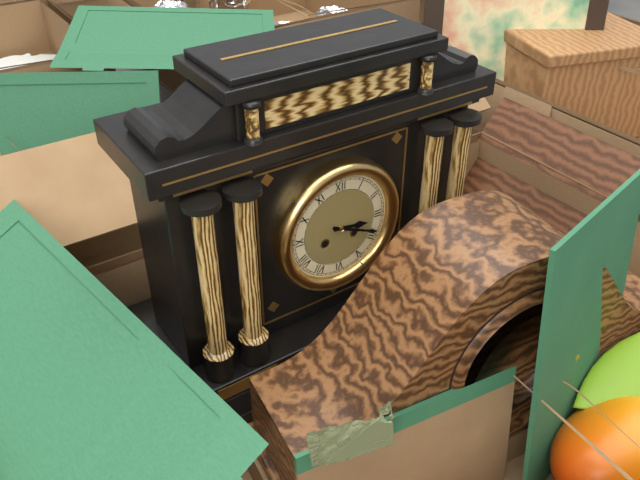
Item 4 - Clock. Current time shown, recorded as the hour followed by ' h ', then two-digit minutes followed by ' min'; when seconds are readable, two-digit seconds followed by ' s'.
3 h 19 min
